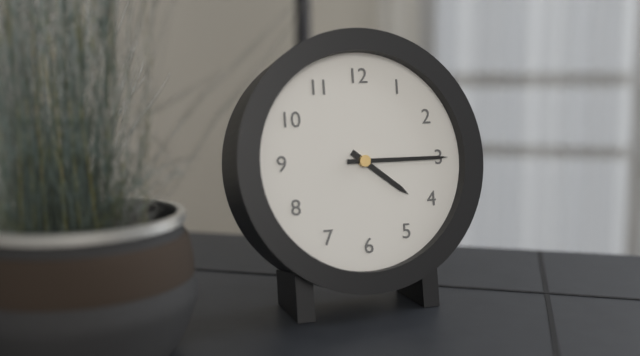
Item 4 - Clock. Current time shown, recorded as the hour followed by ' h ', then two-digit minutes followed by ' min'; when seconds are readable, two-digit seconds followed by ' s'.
4 h 15 min
